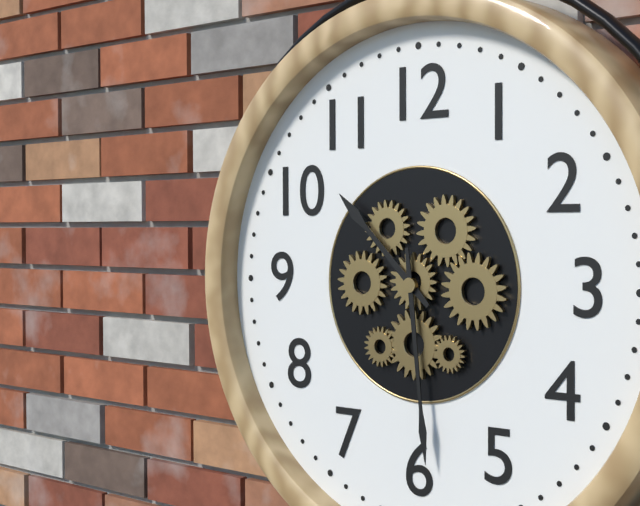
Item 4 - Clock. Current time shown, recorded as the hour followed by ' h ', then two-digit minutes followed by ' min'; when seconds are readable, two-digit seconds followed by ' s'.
10 h 29 min
